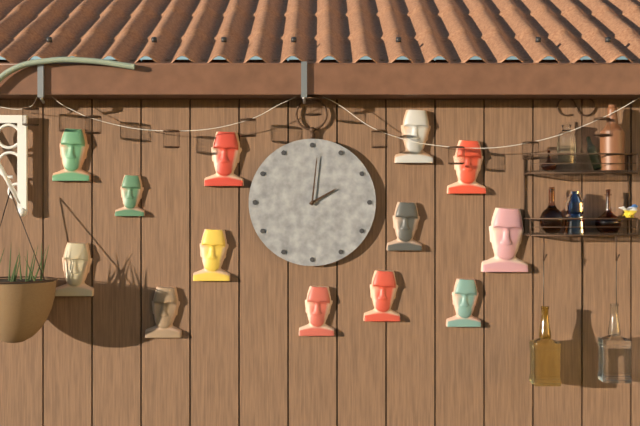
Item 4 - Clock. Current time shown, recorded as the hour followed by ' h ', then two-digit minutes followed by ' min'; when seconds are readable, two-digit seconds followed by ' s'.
2 h 01 min
